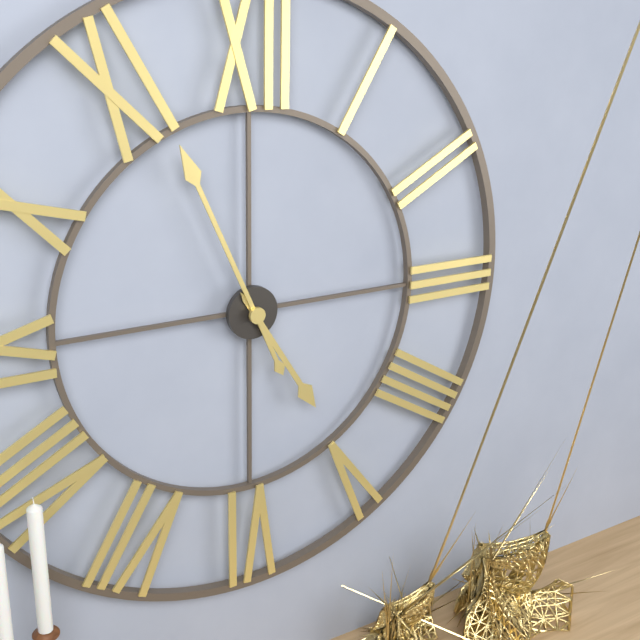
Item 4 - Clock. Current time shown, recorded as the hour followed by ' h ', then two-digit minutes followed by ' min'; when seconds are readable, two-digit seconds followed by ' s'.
4 h 56 min
